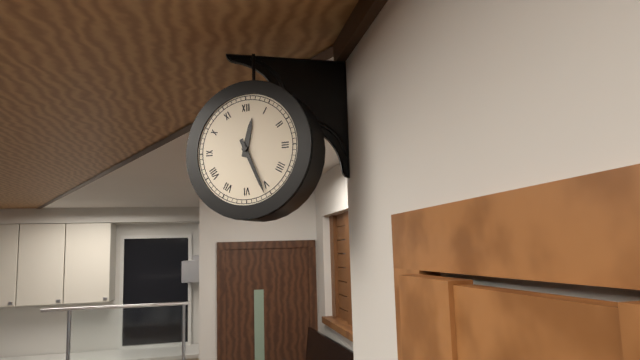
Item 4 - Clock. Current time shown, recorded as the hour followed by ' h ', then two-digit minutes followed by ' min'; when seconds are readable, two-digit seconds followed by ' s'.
12 h 26 min
